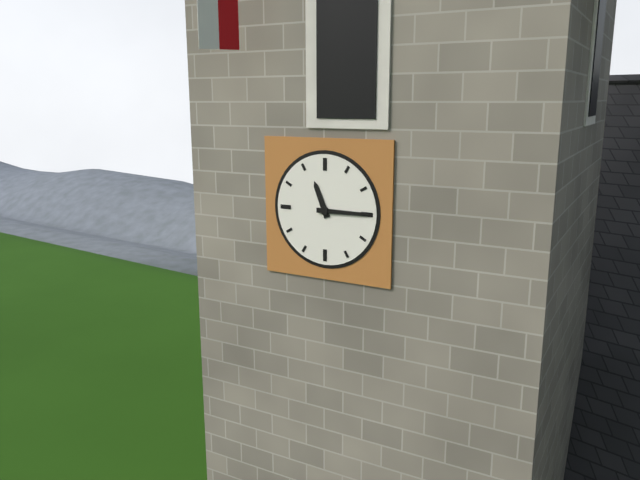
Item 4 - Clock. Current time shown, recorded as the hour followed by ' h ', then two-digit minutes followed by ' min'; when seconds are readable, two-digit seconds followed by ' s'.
11 h 15 min
